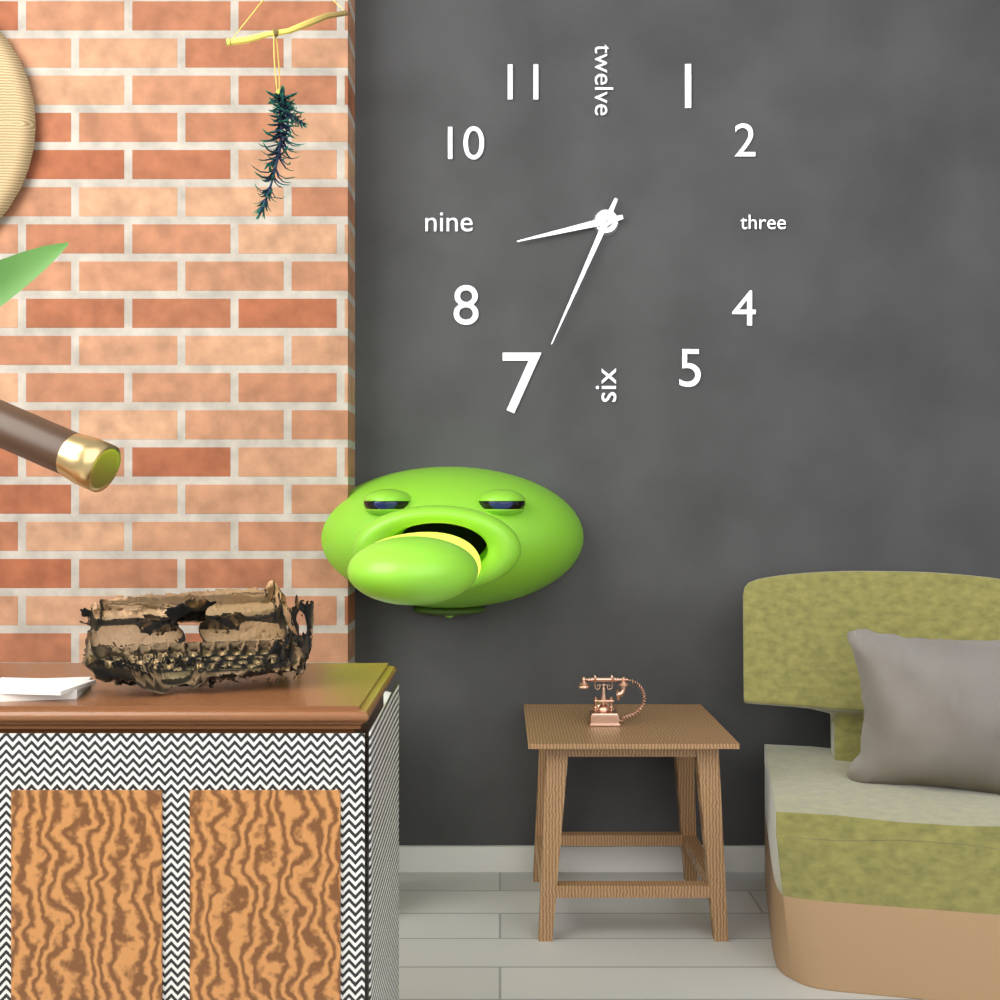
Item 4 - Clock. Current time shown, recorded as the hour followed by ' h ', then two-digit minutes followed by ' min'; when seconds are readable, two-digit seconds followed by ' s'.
8 h 34 min
